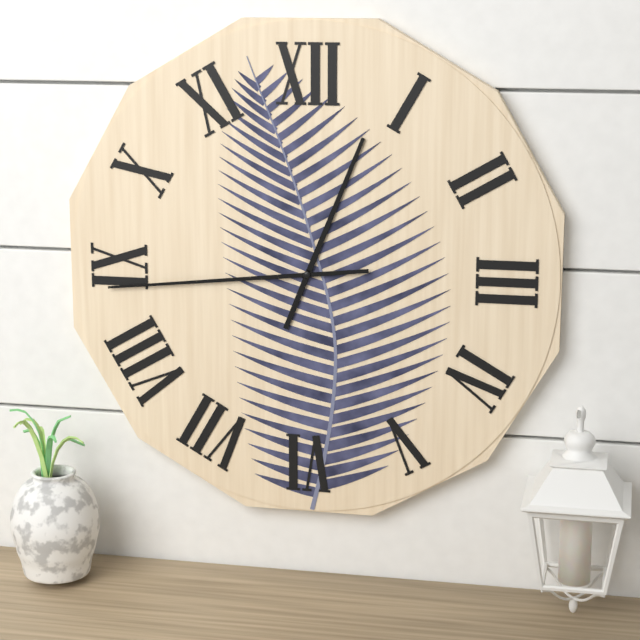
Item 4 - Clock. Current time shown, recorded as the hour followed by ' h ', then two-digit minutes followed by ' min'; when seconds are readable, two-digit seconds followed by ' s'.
12 h 44 min
